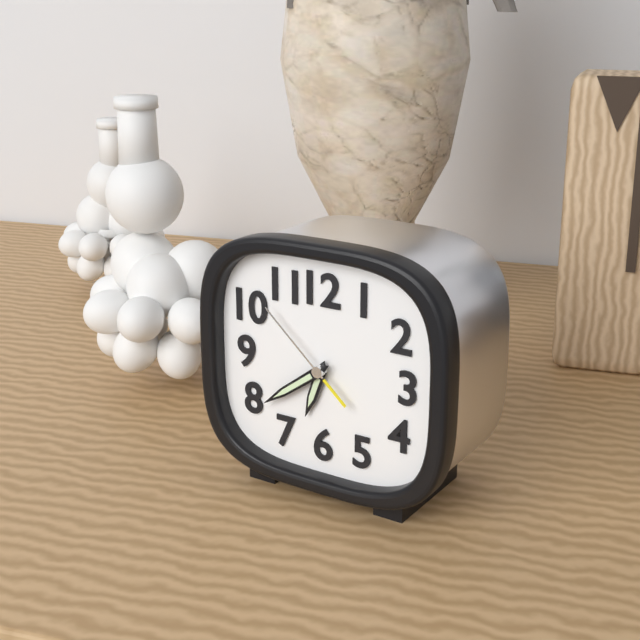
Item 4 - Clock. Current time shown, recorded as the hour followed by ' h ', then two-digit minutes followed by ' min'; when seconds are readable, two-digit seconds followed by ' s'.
6 h 39 min 52 s
